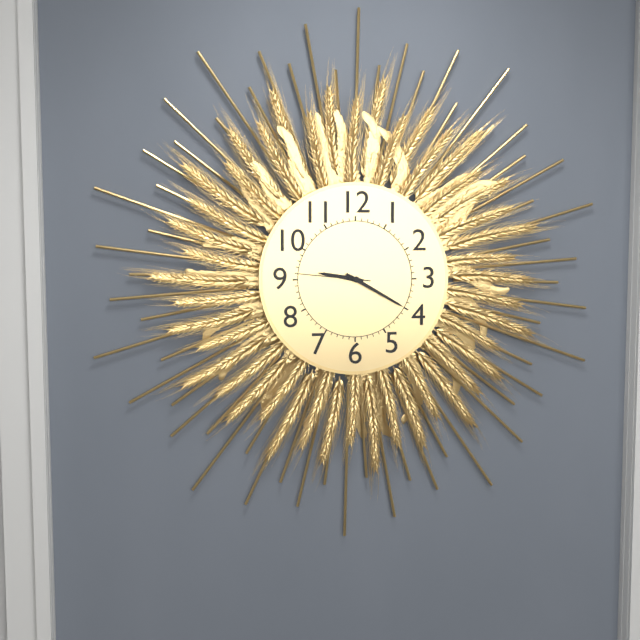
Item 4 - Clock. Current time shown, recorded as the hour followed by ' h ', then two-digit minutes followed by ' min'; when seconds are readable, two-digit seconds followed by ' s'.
9 h 20 min 46 s
